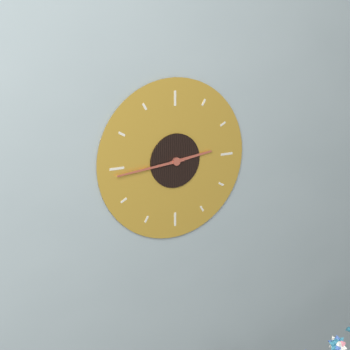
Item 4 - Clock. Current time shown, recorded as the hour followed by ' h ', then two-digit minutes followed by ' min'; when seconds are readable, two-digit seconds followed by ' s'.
2 h 44 min
